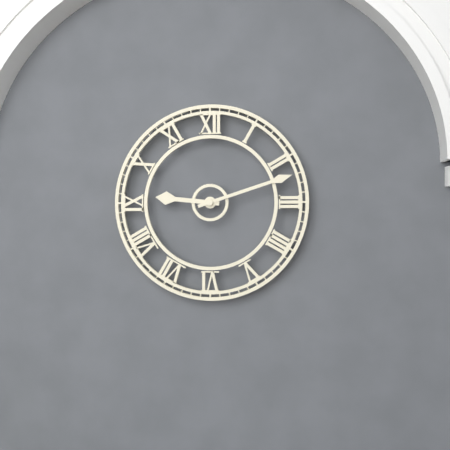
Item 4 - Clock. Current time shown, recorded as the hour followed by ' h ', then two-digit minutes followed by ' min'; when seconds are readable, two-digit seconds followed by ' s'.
9 h 12 min
